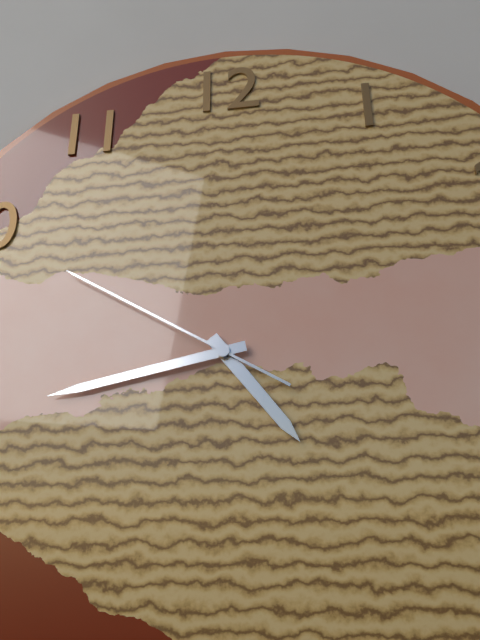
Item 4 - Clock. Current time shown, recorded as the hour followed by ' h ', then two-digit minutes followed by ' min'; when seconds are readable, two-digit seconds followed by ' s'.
4 h 43 min 50 s
